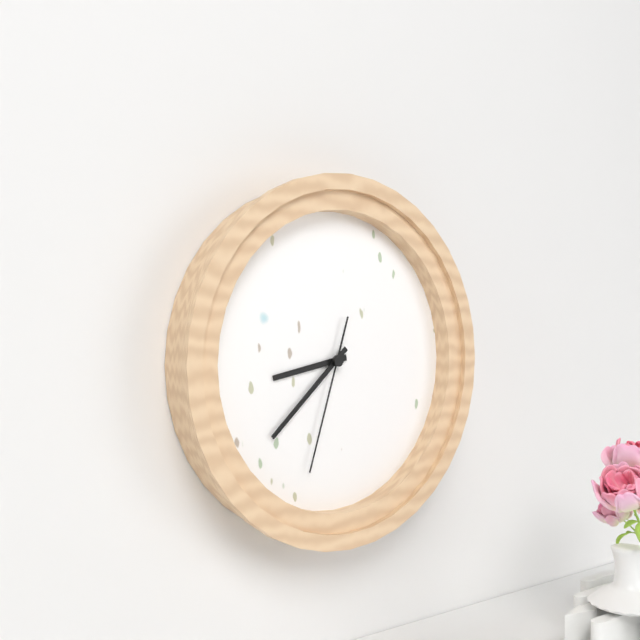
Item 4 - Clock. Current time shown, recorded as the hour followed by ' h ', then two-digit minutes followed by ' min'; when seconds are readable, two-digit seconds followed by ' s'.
8 h 38 min 33 s
